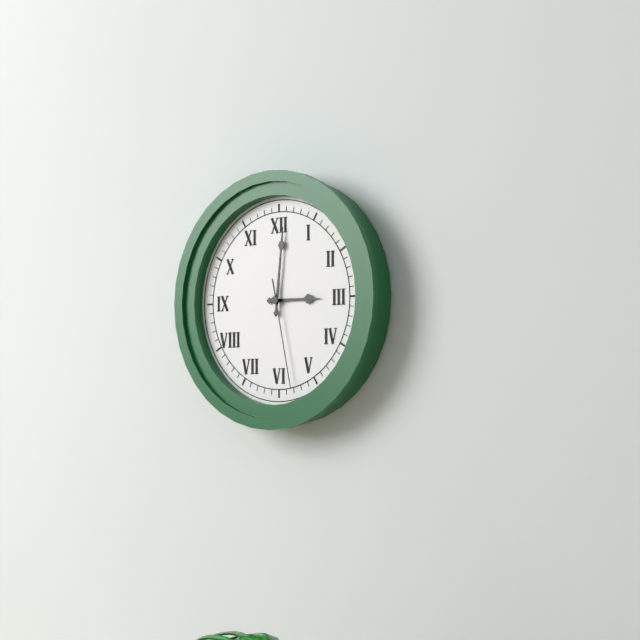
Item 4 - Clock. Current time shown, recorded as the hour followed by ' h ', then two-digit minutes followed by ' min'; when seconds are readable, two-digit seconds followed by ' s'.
3 h 01 min 28 s
